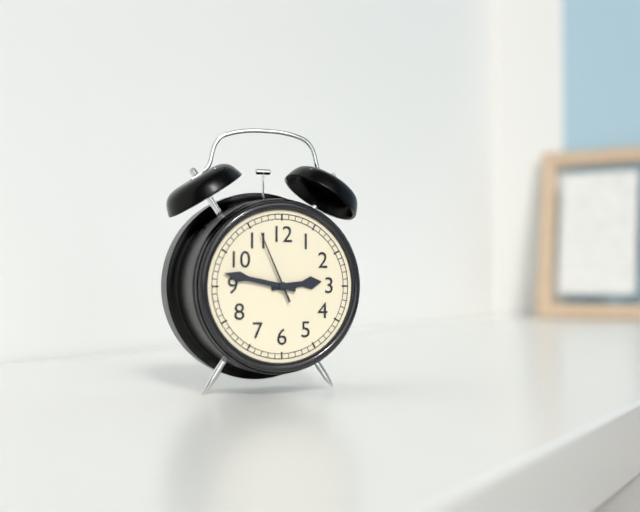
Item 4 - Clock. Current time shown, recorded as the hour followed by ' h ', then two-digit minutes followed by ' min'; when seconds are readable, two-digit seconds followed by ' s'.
2 h 47 min 56 s
